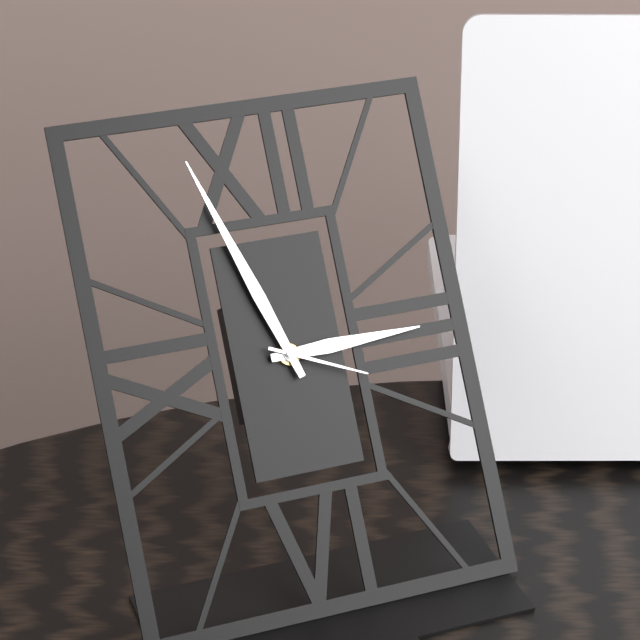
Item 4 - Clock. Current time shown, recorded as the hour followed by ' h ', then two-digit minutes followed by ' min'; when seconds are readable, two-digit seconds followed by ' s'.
2 h 57 min 19 s
